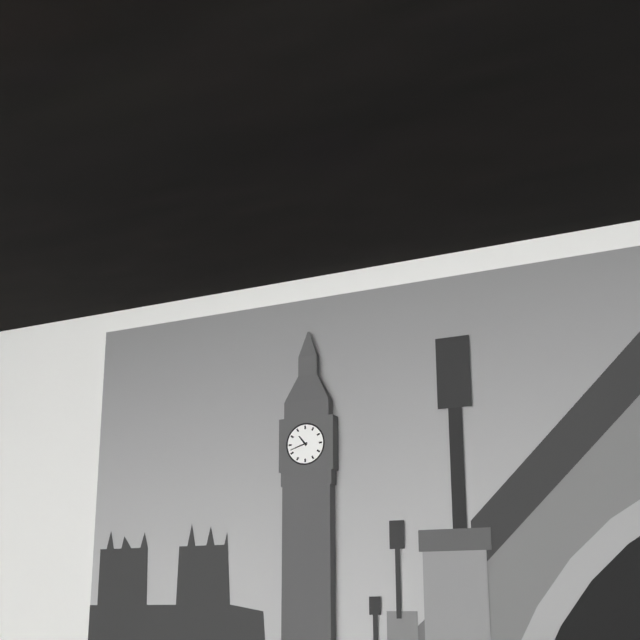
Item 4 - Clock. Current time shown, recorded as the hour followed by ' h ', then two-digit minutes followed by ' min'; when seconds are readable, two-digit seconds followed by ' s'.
10 h 42 min
